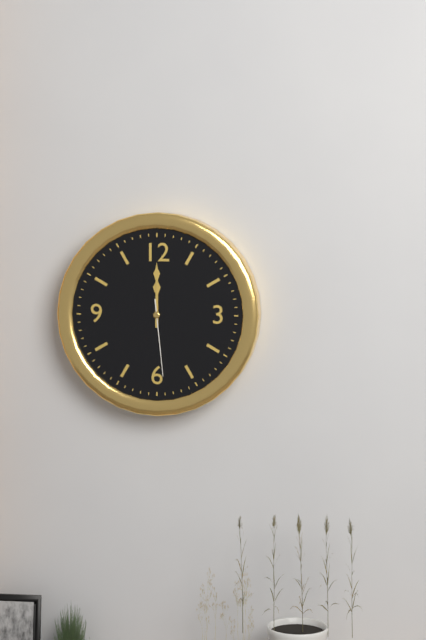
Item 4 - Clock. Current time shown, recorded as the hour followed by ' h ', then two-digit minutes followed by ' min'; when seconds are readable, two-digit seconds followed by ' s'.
12 h 00 min 29 s
